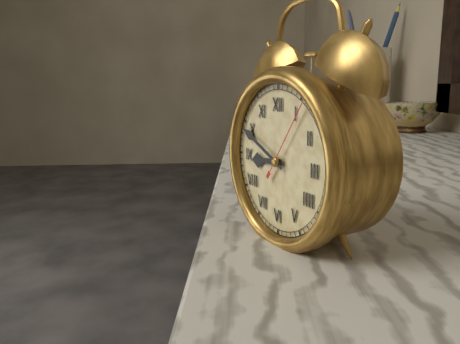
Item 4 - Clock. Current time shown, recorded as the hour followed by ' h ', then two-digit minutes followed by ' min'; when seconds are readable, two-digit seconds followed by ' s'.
8 h 49 min 06 s
